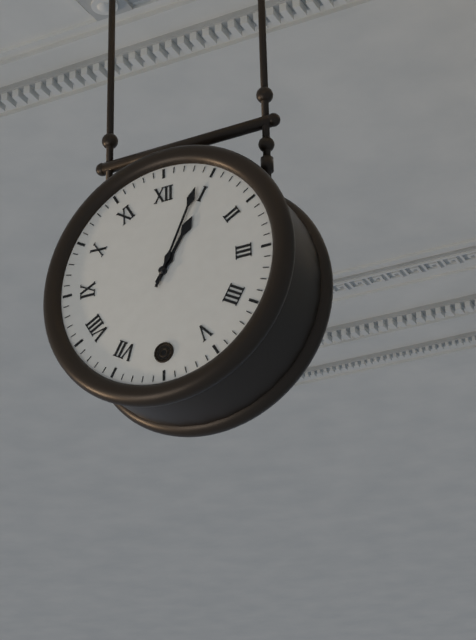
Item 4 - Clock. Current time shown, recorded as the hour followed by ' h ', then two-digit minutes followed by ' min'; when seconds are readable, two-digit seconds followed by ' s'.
1 h 04 min
